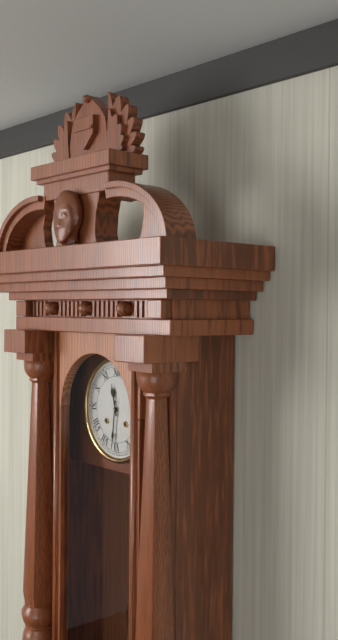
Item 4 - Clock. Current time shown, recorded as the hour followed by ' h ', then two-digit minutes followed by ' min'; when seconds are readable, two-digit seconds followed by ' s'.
11 h 31 min
